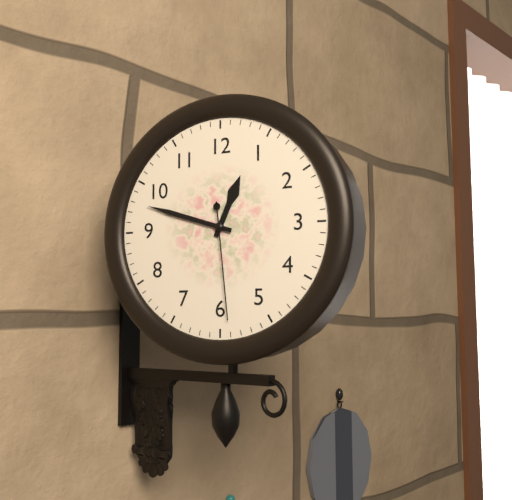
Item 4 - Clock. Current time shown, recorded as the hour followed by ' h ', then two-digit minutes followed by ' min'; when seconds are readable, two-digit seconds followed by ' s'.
12 h 48 min 29 s
